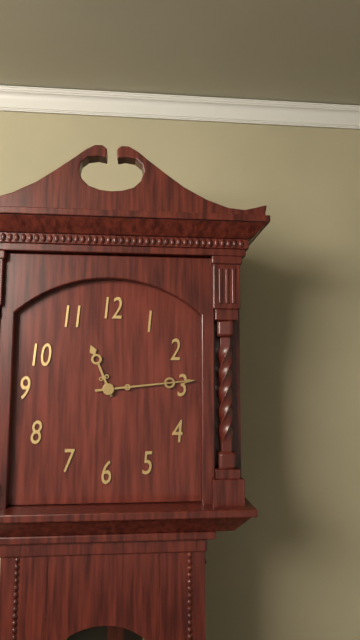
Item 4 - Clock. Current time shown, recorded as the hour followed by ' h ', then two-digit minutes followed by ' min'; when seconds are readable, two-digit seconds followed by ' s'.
11 h 14 min
